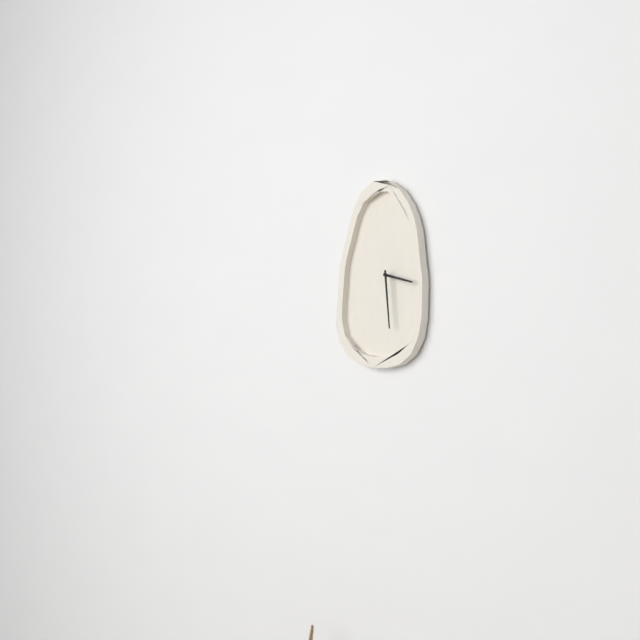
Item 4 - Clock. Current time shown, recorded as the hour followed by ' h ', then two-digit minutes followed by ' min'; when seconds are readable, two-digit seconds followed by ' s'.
3 h 29 min
